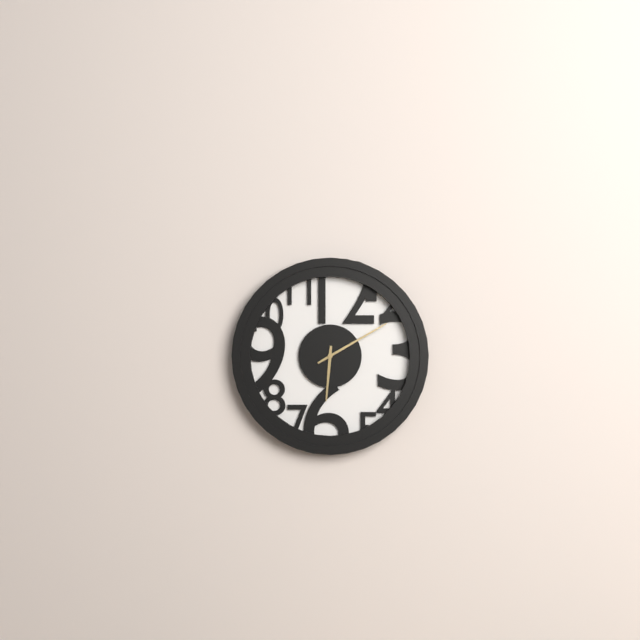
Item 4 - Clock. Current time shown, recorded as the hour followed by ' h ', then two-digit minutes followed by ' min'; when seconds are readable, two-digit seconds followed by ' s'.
6 h 10 min
